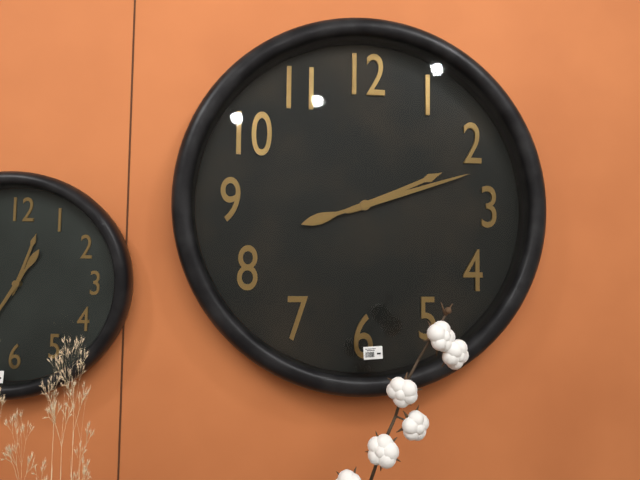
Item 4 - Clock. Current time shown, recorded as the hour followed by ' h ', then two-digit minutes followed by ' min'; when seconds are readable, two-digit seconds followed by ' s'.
2 h 12 min
